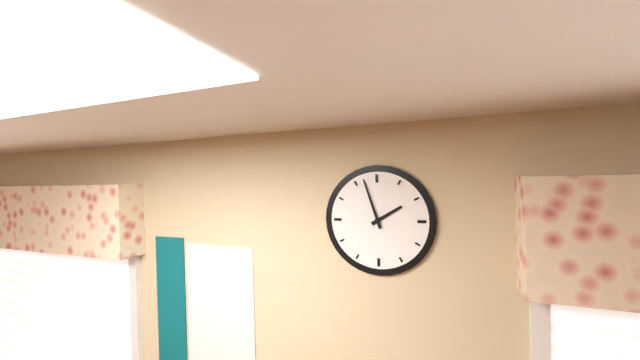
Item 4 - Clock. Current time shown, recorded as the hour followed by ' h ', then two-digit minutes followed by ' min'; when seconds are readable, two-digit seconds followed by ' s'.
1 h 57 min
